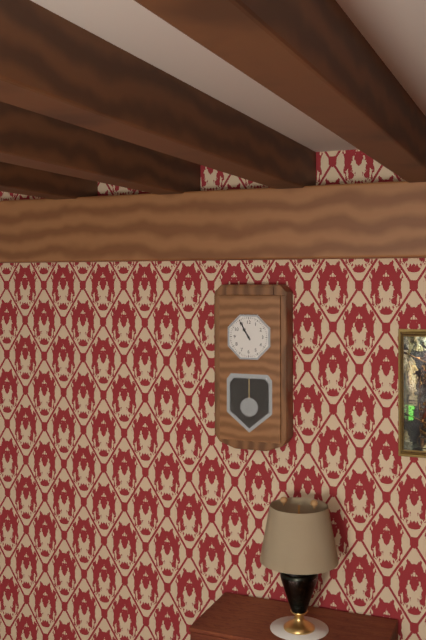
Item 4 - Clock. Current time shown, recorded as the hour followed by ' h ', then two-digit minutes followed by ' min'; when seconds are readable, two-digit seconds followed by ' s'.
10 h 55 min
